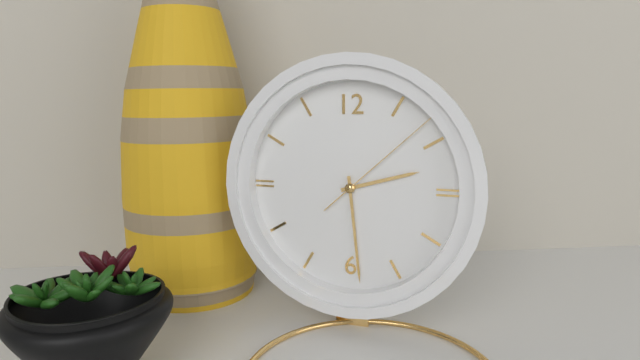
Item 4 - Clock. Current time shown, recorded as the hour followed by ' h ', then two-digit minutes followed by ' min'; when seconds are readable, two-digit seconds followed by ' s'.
2 h 29 min 08 s
